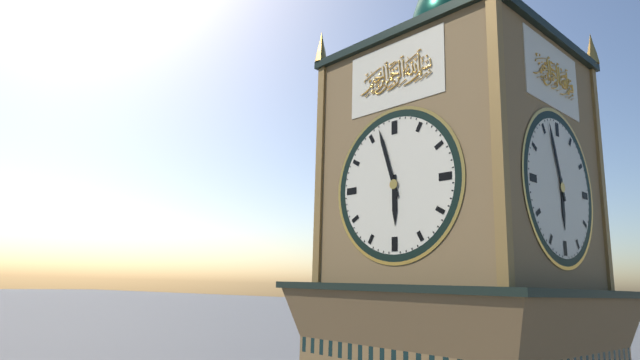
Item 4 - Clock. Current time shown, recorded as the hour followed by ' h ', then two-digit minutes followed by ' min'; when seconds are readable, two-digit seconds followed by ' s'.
5 h 57 min
